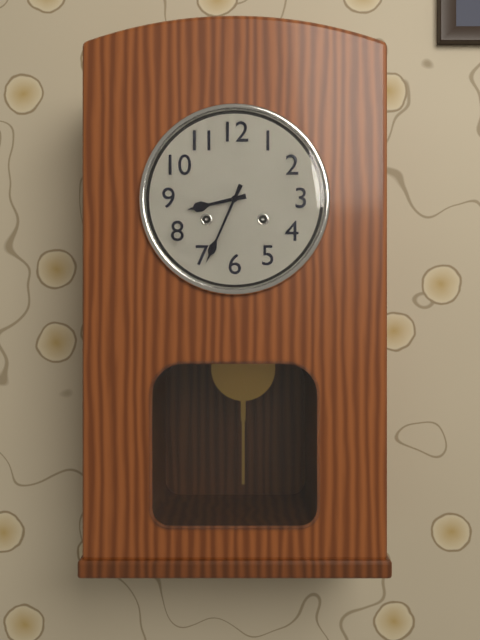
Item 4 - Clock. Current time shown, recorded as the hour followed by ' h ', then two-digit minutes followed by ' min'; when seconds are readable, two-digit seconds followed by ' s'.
8 h 34 min
